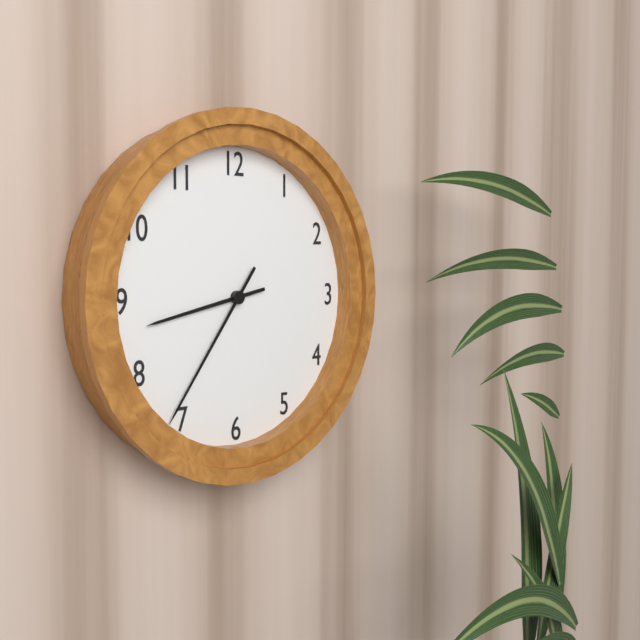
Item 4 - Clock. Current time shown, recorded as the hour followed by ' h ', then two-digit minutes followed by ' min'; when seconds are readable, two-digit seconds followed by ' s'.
8 h 36 min
